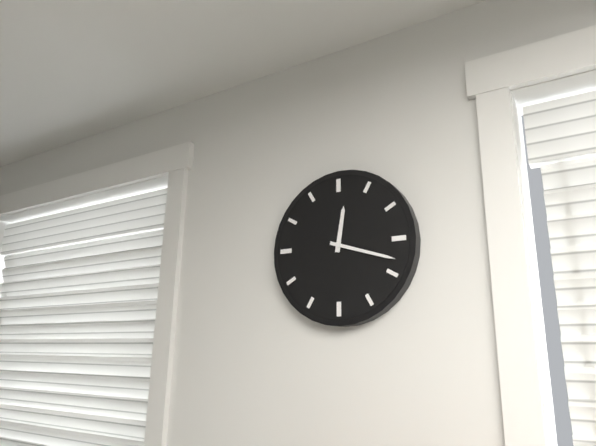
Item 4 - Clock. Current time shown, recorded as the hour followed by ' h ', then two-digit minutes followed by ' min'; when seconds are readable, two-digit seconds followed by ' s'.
12 h 18 min
